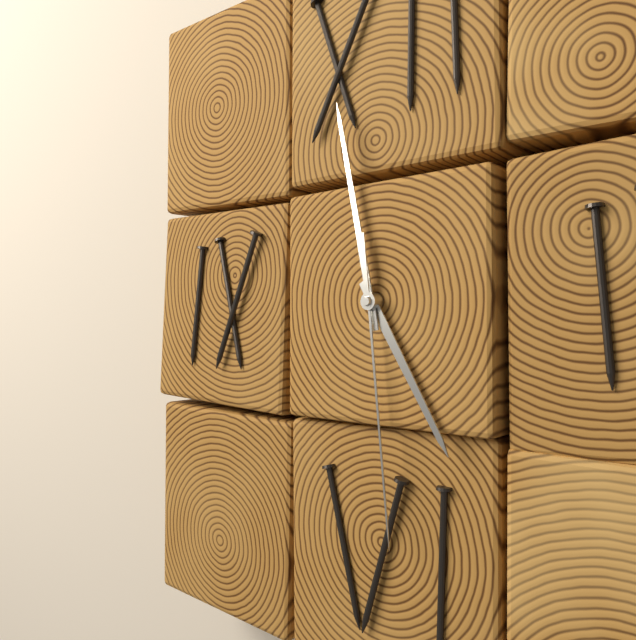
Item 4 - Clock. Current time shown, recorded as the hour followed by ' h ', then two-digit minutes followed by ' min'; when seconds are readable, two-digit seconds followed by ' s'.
4 h 58 min 29 s
